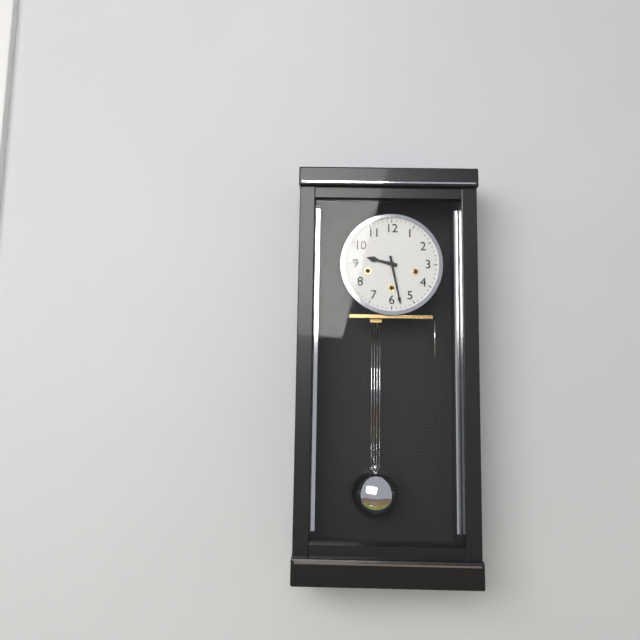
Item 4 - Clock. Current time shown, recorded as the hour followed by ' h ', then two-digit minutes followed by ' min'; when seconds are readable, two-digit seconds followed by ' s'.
9 h 28 min
